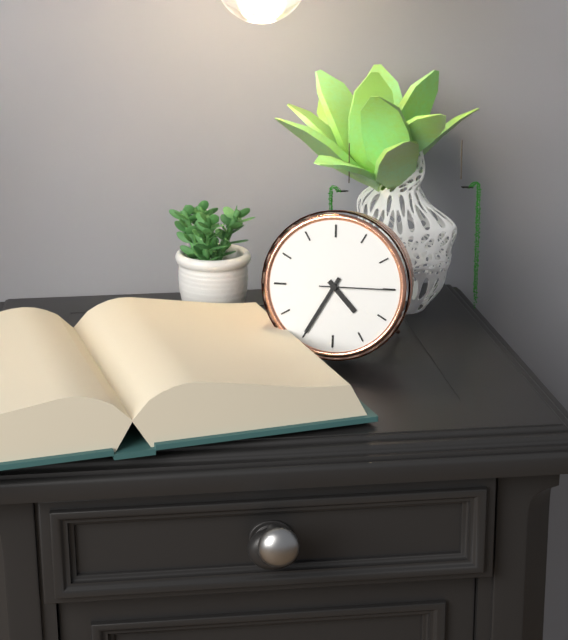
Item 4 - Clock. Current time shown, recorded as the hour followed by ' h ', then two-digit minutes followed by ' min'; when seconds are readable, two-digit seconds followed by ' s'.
4 h 35 min 15 s
